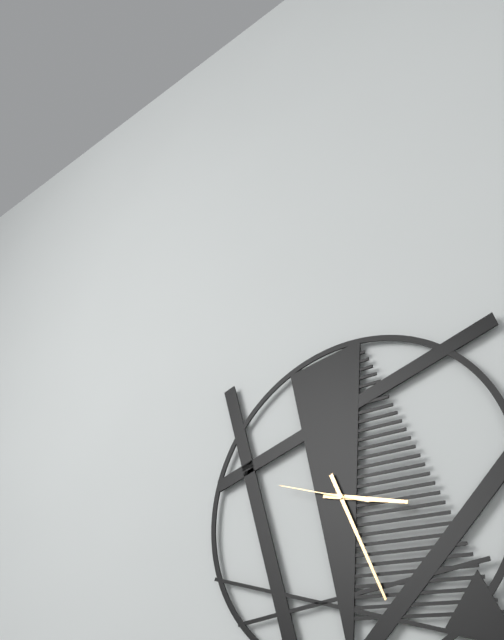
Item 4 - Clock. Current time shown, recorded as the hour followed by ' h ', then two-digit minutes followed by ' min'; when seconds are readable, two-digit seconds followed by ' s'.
3 h 26 min 48 s
